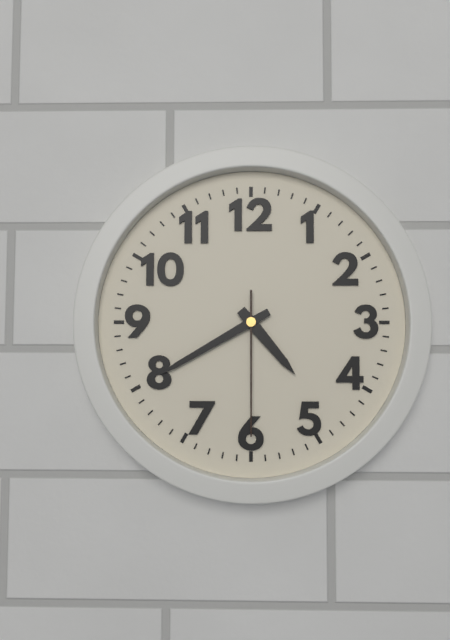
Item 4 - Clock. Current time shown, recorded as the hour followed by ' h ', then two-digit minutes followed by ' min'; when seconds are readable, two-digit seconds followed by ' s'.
4 h 40 min 30 s
